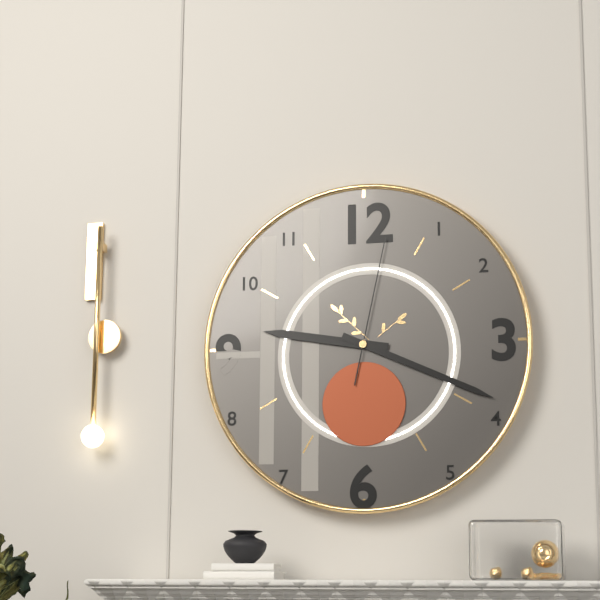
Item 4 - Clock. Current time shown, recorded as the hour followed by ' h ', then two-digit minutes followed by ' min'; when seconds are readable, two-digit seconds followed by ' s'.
9 h 19 min 02 s
